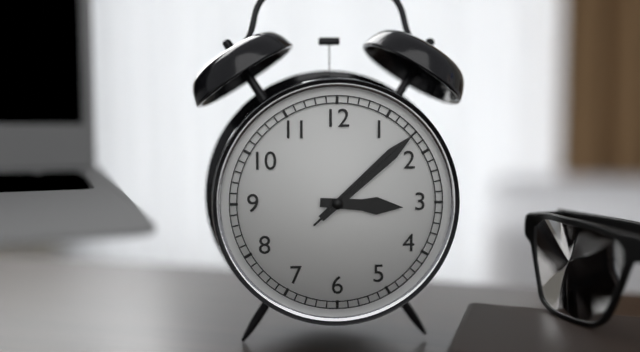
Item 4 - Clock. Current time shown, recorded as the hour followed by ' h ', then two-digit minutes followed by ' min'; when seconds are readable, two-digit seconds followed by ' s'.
3 h 08 min 08 s
